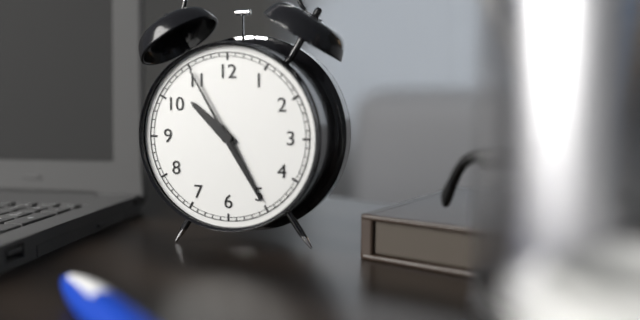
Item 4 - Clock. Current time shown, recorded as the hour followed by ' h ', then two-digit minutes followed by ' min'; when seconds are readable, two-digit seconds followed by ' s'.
10 h 25 min 55 s
